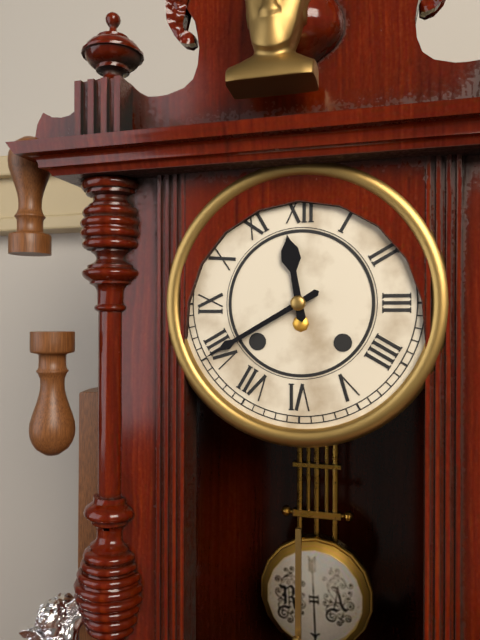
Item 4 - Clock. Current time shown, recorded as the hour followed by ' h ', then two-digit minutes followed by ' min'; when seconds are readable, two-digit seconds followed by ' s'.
11 h 40 min
